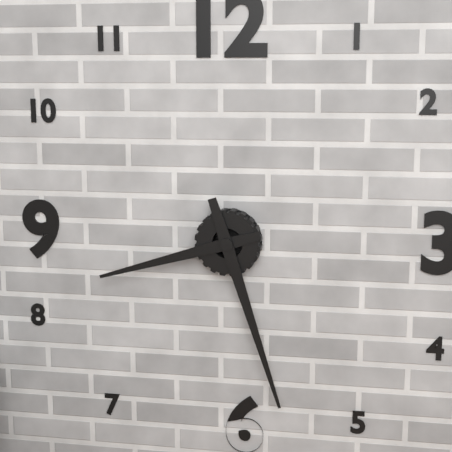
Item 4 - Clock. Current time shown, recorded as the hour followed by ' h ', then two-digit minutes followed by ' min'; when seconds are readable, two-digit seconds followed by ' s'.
8 h 27 min
